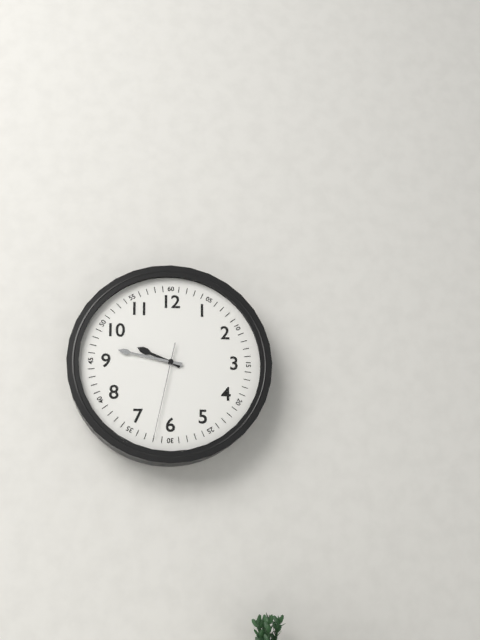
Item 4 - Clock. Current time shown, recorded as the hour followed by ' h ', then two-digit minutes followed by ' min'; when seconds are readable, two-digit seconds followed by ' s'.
9 h 47 min 32 s
